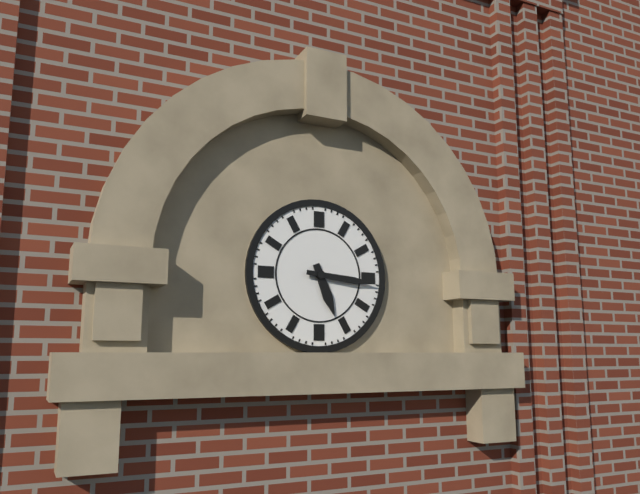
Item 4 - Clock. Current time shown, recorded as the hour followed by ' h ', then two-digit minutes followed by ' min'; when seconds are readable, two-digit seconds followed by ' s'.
5 h 16 min
